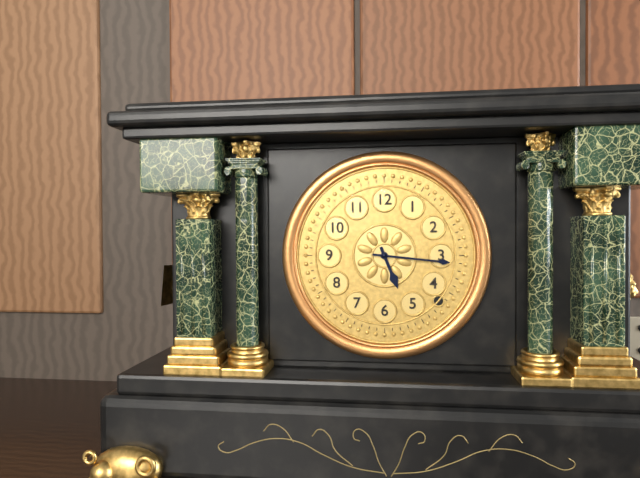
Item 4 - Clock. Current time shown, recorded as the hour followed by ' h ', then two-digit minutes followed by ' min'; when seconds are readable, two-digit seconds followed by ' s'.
5 h 16 min
